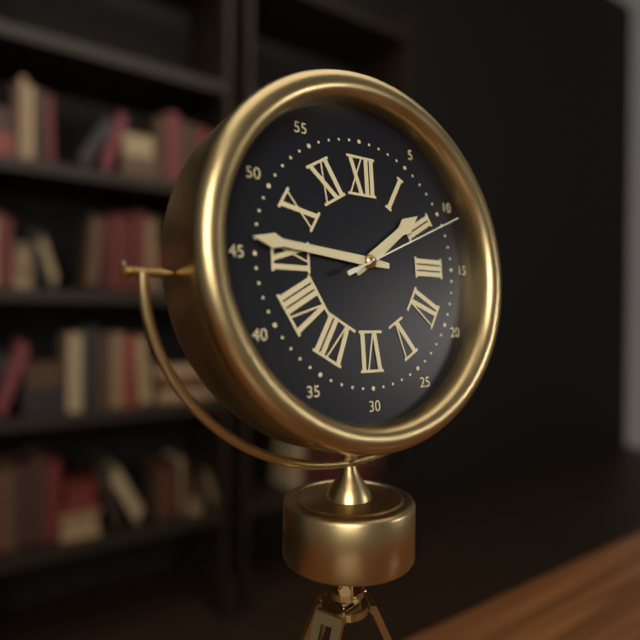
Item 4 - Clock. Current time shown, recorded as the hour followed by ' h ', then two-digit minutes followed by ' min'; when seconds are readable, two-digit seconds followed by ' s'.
1 h 46 min 11 s
